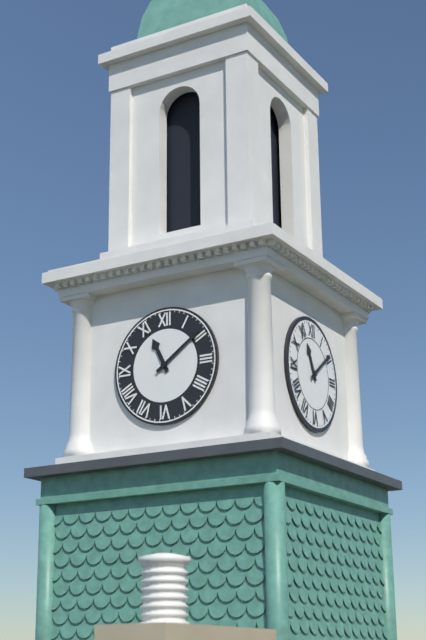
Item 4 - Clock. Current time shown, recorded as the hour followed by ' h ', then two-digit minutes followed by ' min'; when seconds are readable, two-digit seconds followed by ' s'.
11 h 09 min
